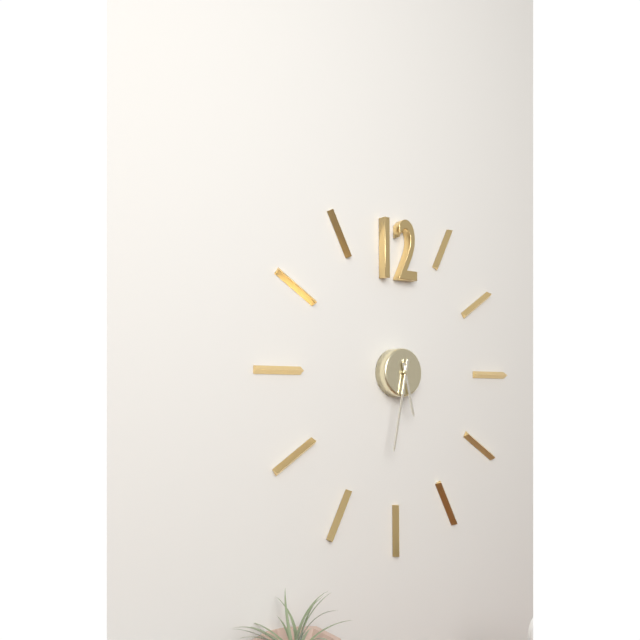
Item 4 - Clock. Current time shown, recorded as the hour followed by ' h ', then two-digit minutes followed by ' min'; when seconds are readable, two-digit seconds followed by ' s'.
5 h 32 min
